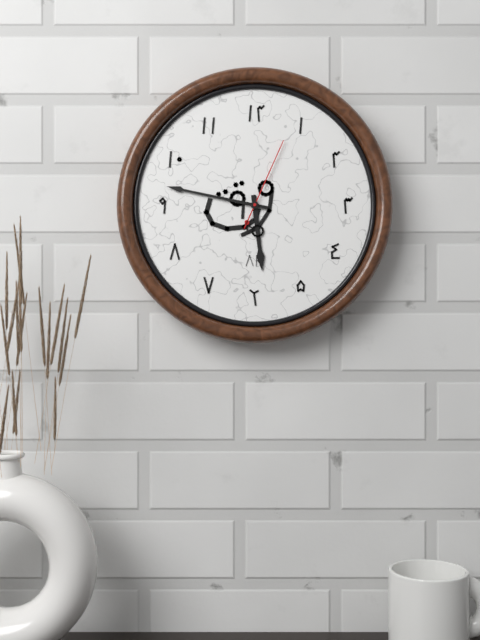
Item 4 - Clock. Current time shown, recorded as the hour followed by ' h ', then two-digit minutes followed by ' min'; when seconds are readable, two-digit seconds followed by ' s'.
5 h 47 min 04 s
